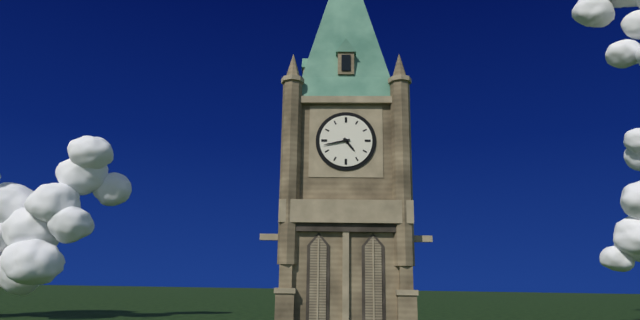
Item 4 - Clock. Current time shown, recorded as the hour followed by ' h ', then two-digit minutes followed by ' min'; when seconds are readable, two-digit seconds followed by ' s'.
4 h 43 min
